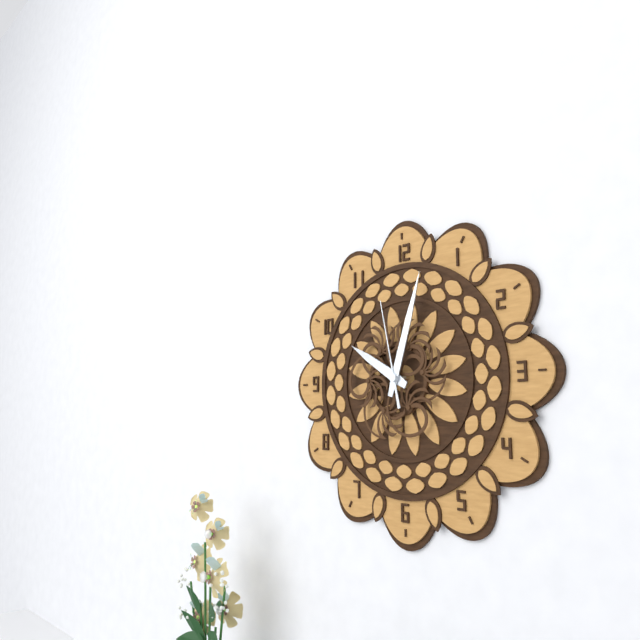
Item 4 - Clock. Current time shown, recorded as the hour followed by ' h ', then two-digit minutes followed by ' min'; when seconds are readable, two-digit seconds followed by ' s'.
10 h 03 min 58 s
